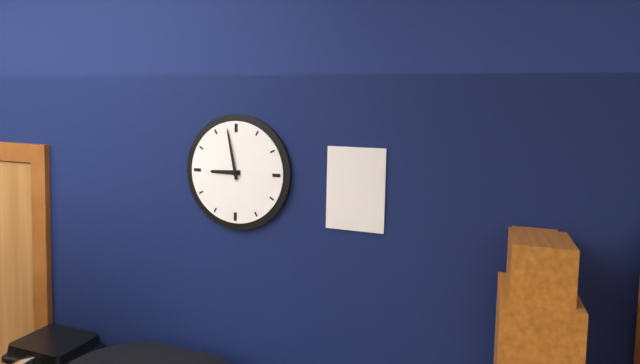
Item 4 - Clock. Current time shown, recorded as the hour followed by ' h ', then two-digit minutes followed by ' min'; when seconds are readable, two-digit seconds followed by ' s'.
8 h 58 min
